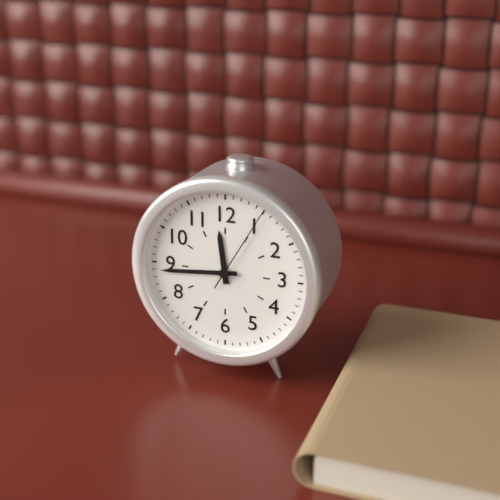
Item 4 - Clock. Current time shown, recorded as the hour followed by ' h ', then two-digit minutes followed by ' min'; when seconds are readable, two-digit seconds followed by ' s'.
11 h 44 min 05 s
